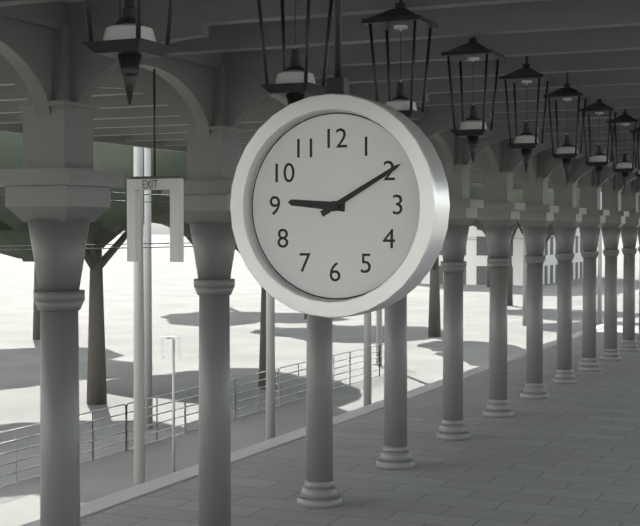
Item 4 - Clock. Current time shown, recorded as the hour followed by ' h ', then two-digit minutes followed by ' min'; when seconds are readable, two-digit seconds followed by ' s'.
9 h 10 min
